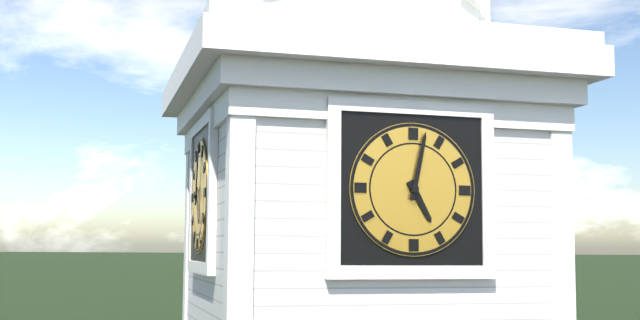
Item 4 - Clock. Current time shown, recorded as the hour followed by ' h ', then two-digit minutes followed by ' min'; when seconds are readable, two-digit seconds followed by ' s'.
5 h 02 min
